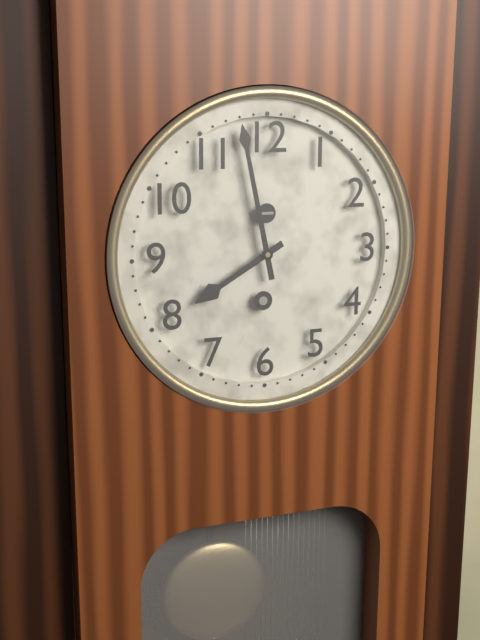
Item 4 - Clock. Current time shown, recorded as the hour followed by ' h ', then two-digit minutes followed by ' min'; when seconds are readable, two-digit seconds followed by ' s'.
7 h 58 min
